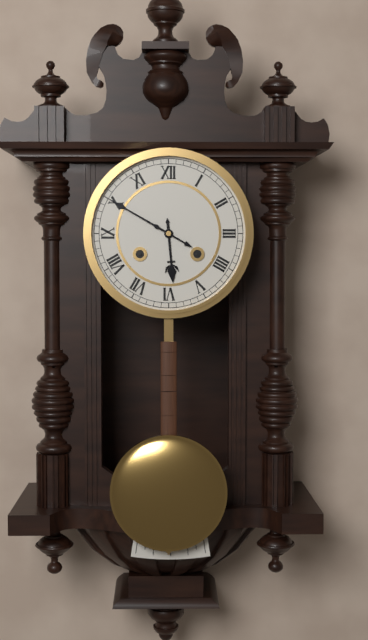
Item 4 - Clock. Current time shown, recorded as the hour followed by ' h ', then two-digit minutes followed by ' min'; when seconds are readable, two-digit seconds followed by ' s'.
5 h 50 min
